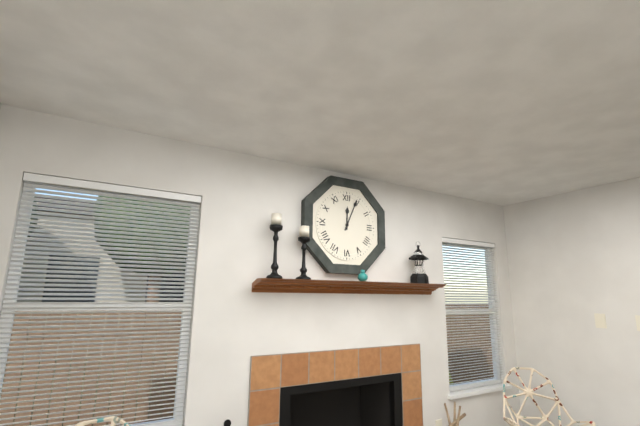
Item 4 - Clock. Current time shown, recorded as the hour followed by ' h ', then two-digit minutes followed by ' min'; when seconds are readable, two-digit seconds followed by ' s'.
12 h 04 min
